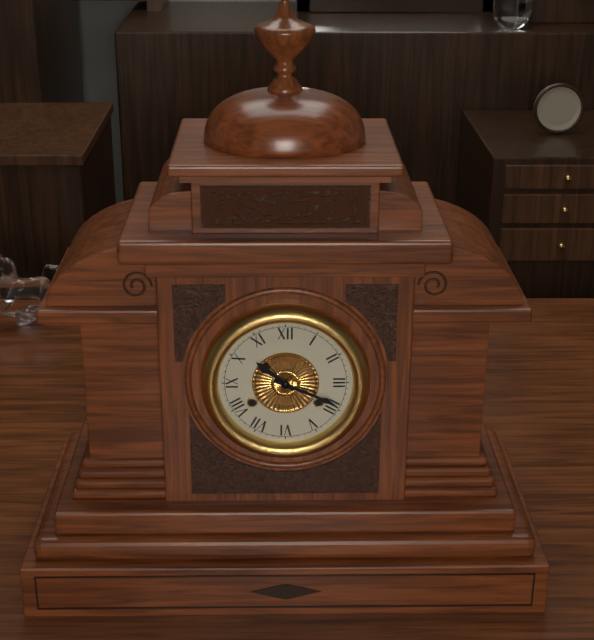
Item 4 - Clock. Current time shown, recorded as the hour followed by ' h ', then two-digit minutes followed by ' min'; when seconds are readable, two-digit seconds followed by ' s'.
10 h 19 min
